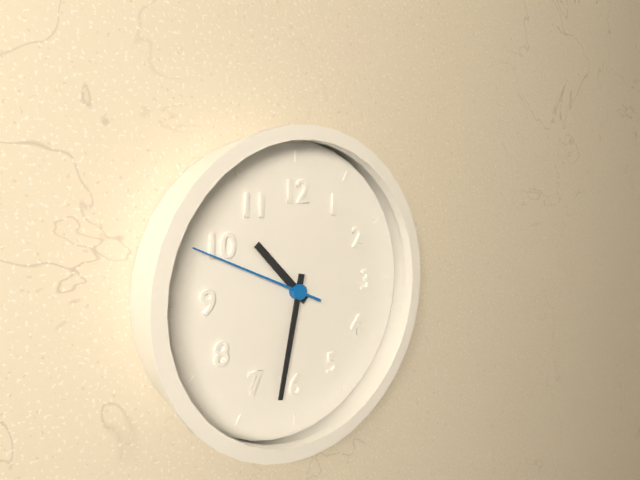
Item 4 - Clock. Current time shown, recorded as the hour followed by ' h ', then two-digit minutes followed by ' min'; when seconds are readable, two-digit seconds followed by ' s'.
10 h 32 min 49 s
